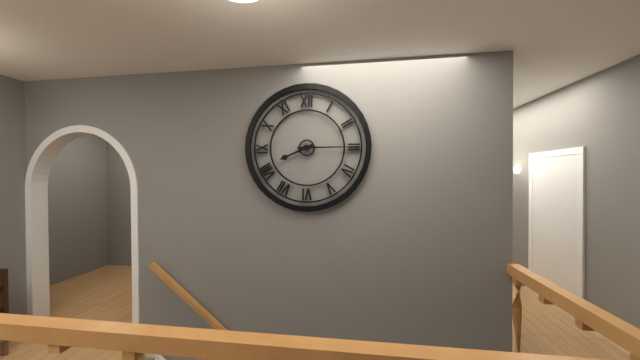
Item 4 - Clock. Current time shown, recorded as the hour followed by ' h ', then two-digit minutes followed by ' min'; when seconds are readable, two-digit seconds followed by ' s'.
8 h 15 min
